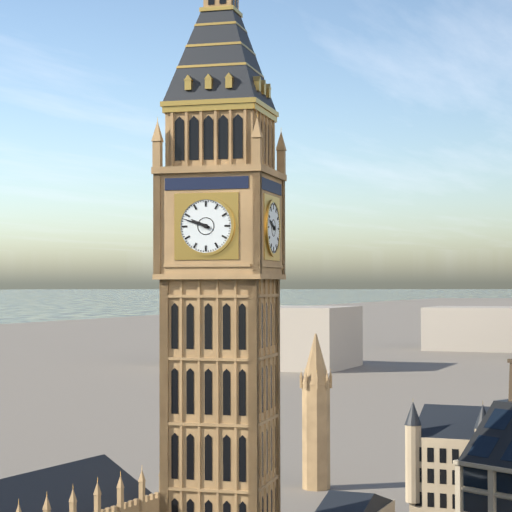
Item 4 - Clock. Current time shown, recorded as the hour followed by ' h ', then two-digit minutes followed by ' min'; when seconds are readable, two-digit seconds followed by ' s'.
9 h 48 min
